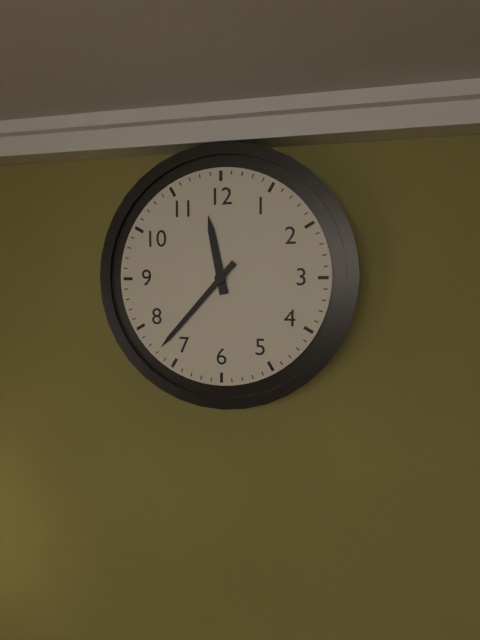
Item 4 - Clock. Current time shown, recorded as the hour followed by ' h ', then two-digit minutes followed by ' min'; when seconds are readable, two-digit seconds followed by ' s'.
11 h 37 min
